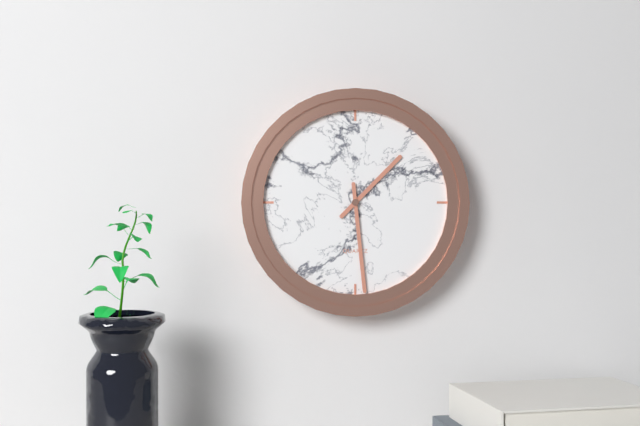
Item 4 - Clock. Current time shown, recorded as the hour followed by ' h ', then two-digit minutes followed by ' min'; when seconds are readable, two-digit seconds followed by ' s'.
1 h 29 min
